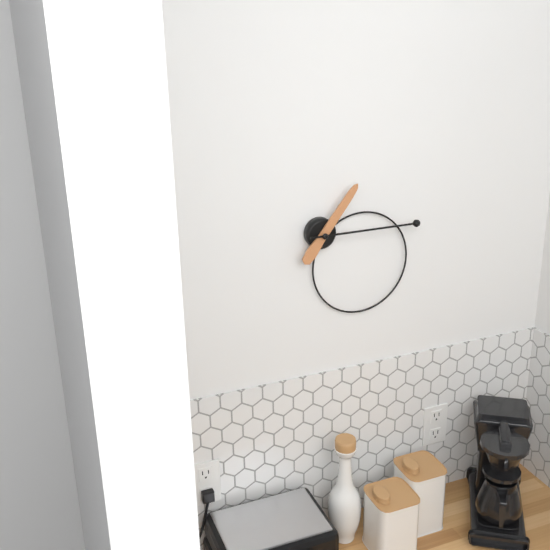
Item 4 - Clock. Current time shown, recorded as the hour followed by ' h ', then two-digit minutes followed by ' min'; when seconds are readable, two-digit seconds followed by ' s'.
1 h 15 min
